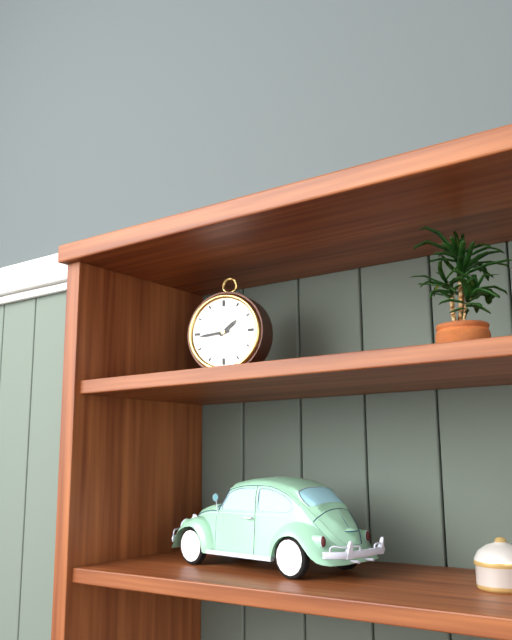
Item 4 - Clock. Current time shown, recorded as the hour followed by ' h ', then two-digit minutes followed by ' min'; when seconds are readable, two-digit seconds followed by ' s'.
1 h 44 min
